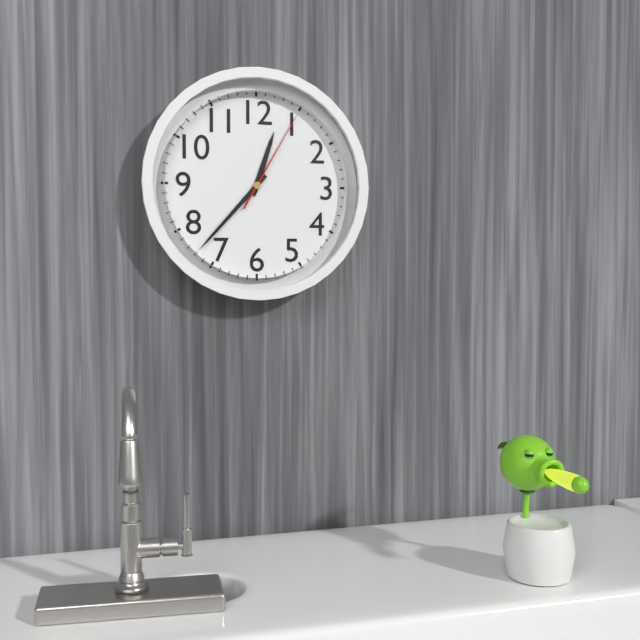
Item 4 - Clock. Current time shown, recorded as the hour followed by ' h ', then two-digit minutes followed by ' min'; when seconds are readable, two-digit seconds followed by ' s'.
12 h 37 min 05 s
